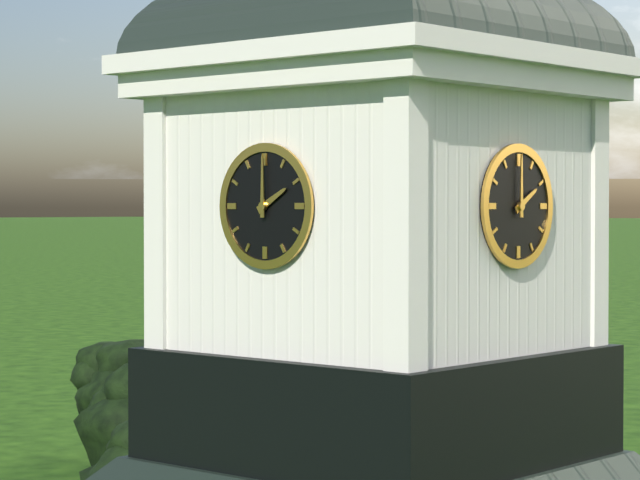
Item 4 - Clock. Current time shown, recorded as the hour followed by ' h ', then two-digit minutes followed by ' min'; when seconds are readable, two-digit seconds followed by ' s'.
2 h 00 min
